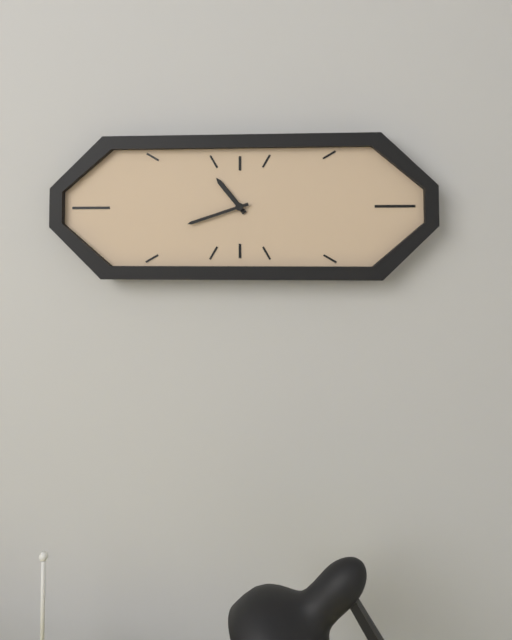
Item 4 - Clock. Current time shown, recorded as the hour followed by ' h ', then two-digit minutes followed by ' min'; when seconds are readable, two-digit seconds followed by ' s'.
10 h 42 min
